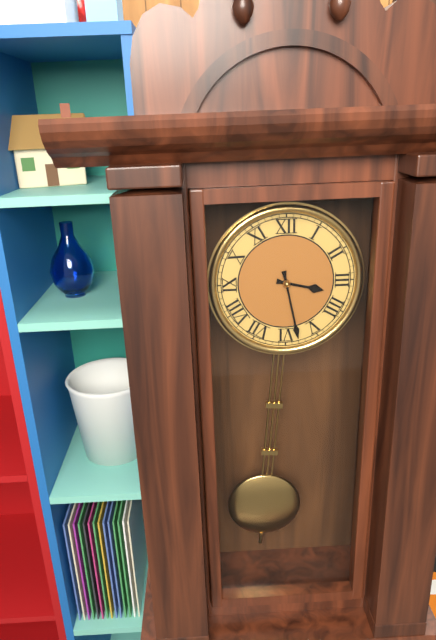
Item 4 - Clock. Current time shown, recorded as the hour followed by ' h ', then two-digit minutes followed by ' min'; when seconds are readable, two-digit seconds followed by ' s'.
3 h 28 min
